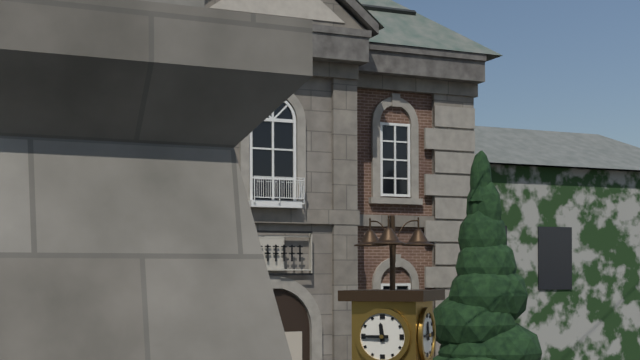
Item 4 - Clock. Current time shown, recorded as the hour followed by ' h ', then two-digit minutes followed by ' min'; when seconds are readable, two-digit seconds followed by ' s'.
11 h 45 min
